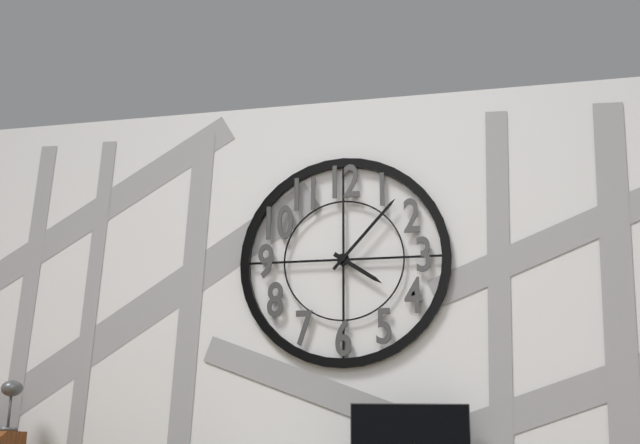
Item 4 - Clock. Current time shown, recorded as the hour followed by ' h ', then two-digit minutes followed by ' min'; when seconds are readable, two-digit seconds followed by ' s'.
4 h 07 min
